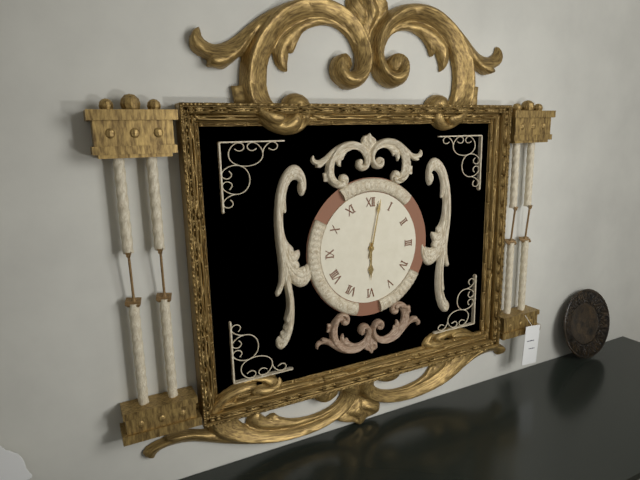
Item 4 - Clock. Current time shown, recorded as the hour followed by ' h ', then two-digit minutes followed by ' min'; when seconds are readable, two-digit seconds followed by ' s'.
6 h 02 min
